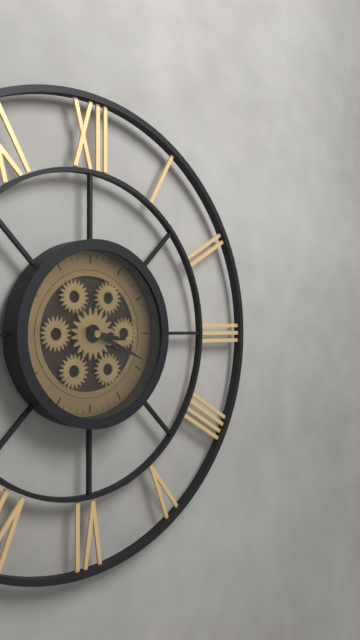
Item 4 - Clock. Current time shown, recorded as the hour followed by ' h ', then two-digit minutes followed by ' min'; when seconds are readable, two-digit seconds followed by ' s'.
3 h 19 min
